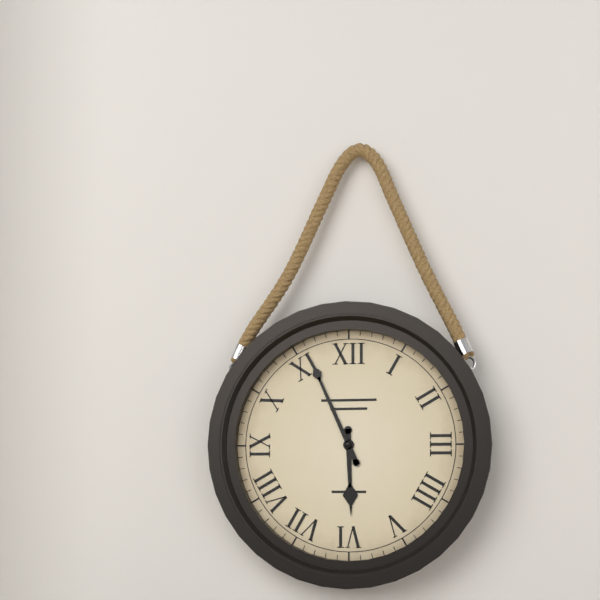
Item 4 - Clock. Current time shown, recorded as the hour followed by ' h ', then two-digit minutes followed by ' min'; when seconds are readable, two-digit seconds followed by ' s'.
5 h 56 min
